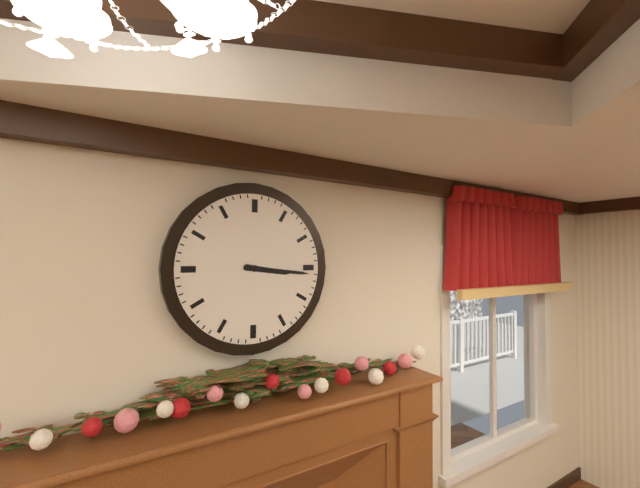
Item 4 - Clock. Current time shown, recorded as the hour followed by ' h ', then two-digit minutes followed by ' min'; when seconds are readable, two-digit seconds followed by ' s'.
3 h 16 min
